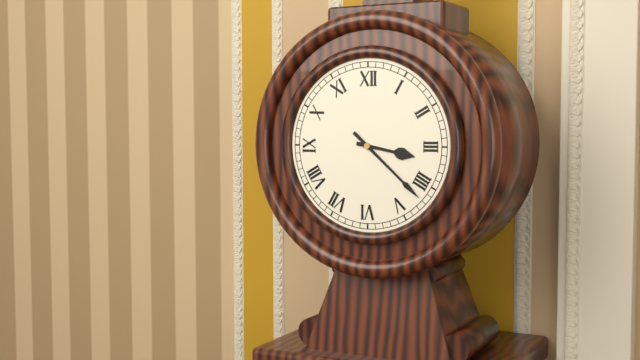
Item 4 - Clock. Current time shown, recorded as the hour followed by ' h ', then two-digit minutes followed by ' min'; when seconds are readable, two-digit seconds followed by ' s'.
3 h 22 min
